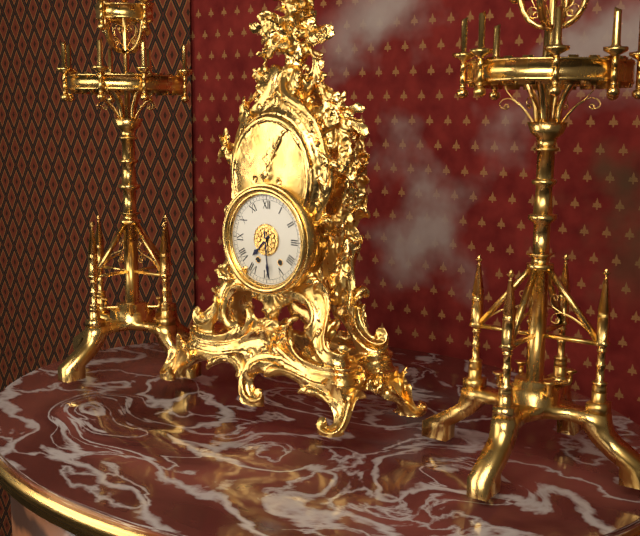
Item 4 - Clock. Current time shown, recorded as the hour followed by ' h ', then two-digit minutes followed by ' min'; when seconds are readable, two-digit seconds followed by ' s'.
7 h 29 min
